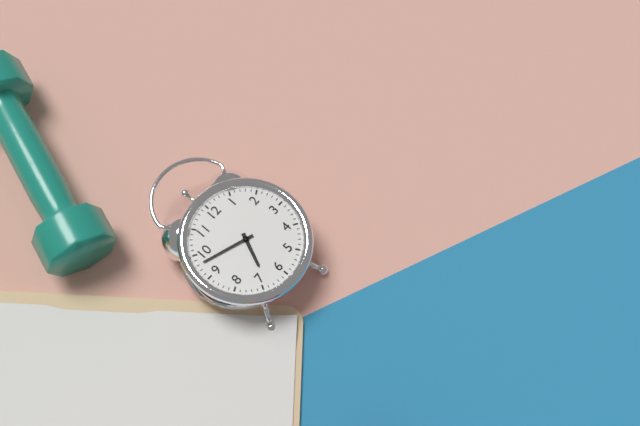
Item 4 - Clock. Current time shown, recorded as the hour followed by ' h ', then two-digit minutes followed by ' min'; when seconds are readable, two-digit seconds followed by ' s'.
6 h 48 min
